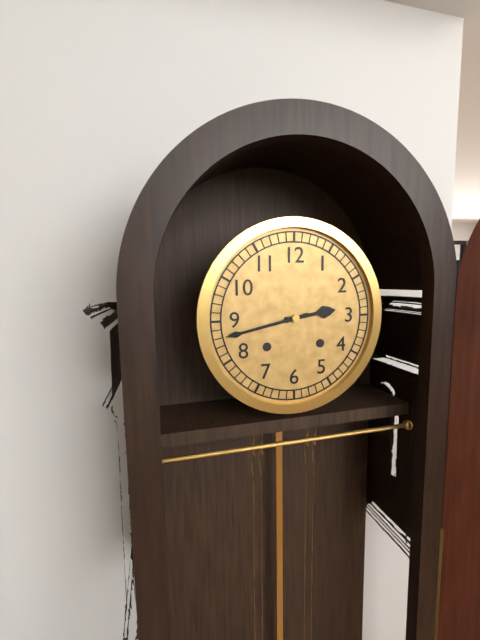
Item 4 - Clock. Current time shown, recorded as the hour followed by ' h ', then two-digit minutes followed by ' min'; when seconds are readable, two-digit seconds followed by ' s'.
2 h 43 min
